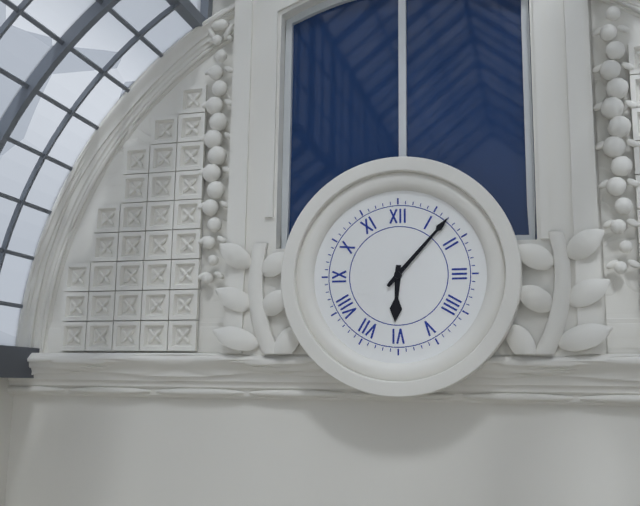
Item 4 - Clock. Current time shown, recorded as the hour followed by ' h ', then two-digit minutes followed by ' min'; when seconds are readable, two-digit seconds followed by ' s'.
6 h 07 min
